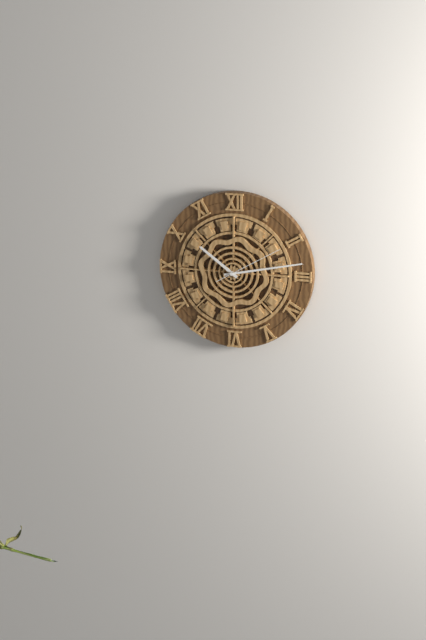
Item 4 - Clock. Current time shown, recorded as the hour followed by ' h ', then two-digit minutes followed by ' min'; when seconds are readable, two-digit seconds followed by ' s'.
10 h 13 min 10 s
